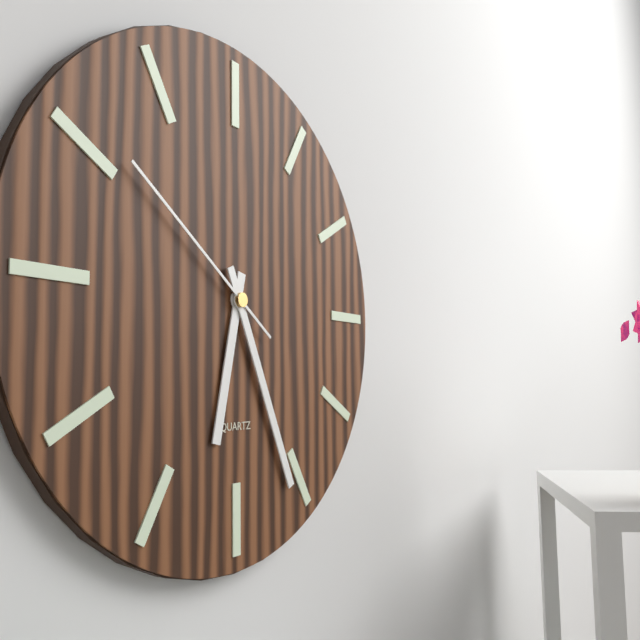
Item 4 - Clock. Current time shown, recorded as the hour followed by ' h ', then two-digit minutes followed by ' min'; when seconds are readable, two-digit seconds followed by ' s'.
6 h 26 min 51 s
